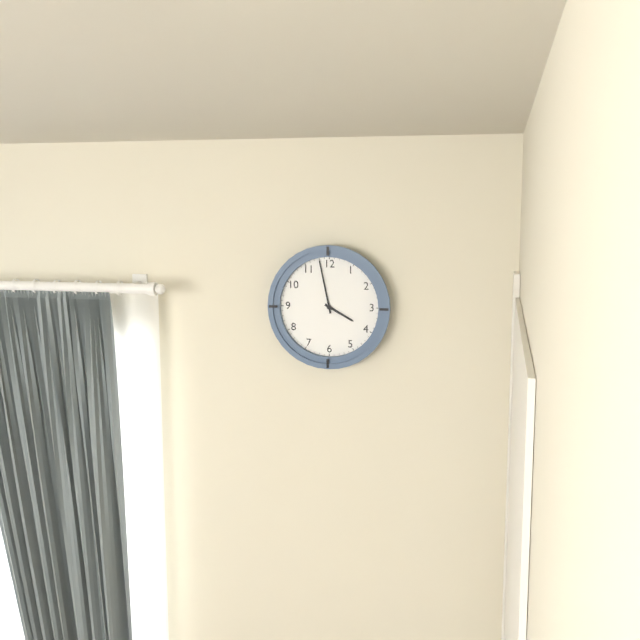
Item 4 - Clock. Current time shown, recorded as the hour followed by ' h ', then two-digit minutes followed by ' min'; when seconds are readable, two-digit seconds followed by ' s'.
3 h 58 min
